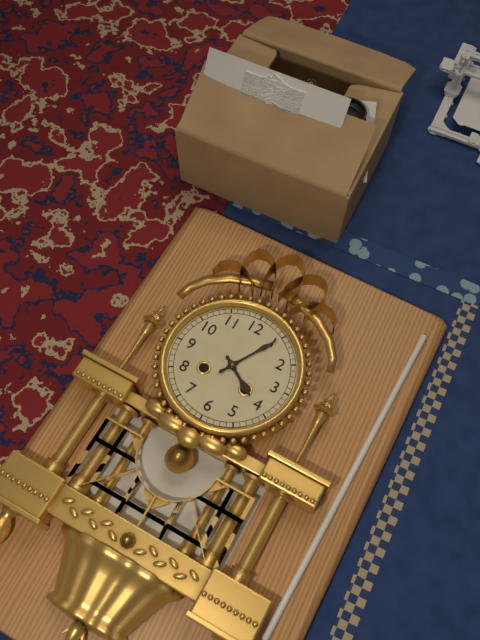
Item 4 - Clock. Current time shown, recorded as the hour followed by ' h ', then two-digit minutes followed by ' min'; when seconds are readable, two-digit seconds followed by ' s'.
4 h 05 min
